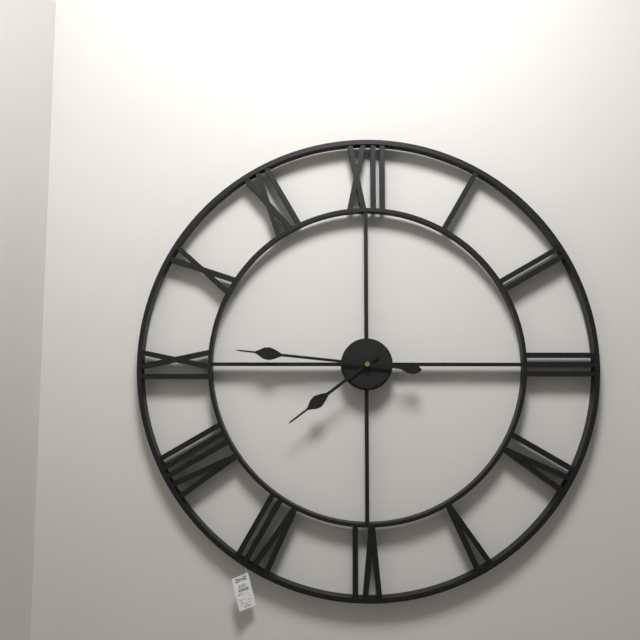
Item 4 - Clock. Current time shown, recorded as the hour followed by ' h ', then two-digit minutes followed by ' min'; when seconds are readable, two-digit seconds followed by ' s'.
7 h 46 min
